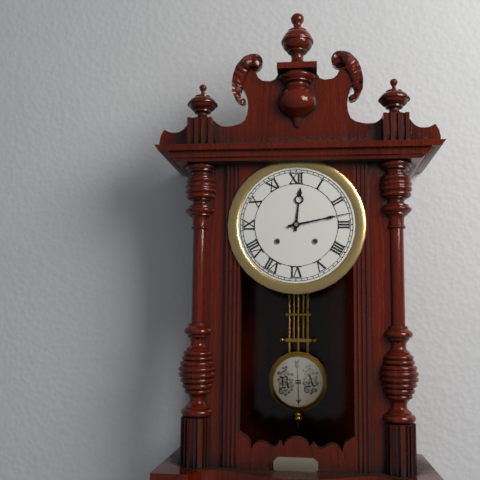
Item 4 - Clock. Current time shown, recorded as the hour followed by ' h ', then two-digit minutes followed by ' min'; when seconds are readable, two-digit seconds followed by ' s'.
12 h 13 min
